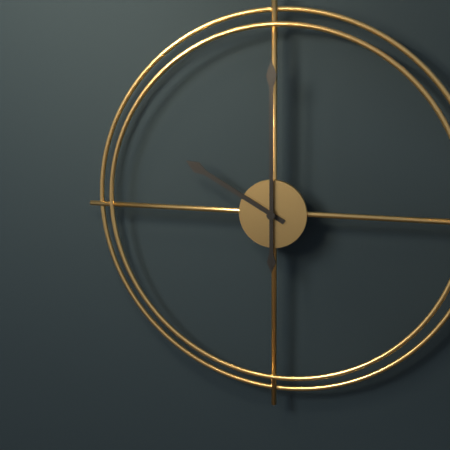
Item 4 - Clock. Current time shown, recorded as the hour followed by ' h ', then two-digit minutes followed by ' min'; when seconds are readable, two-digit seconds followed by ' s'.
10 h 00 min
